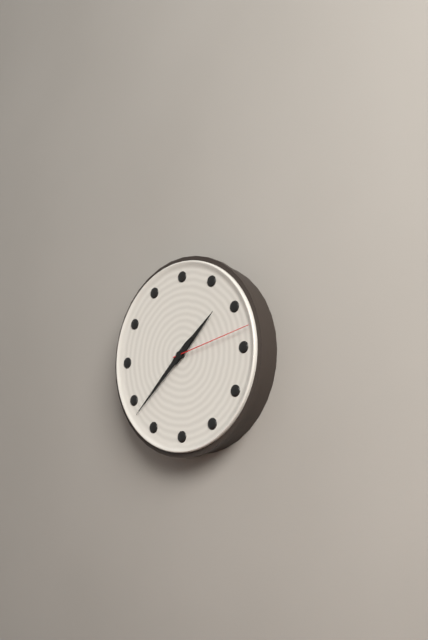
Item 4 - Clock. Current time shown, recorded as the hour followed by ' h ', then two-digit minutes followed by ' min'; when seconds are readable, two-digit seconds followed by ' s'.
1 h 38 min 13 s
